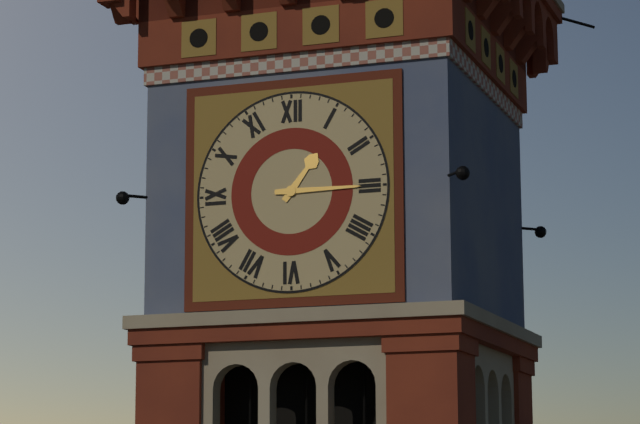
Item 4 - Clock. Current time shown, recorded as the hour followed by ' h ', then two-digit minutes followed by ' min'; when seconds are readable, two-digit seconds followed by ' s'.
1 h 15 min
